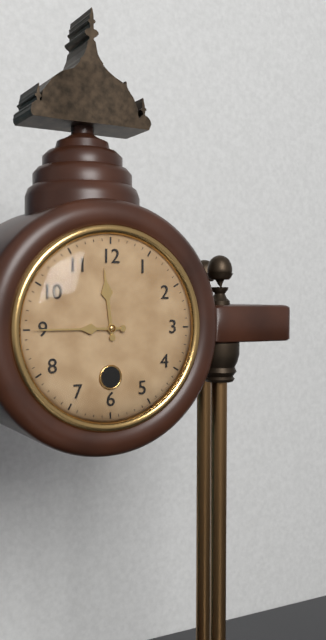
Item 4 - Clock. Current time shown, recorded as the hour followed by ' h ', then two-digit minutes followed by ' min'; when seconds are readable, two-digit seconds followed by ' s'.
11 h 45 min
